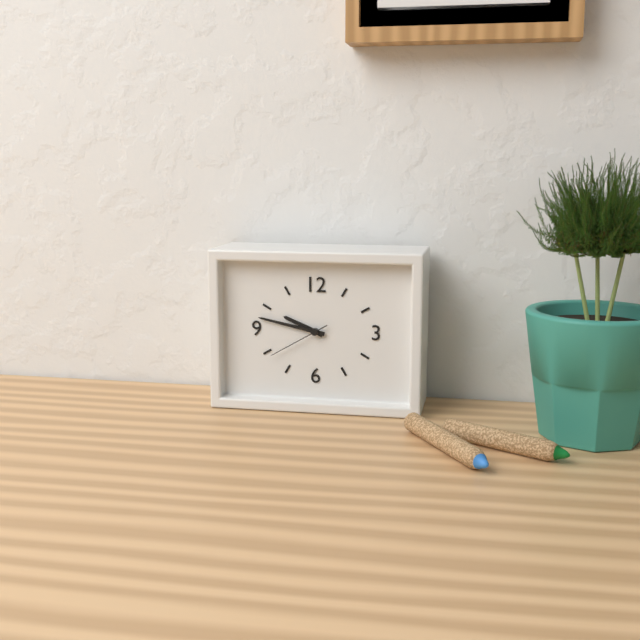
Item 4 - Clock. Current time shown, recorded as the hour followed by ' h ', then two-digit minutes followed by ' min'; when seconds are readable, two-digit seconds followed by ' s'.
9 h 47 min 40 s
